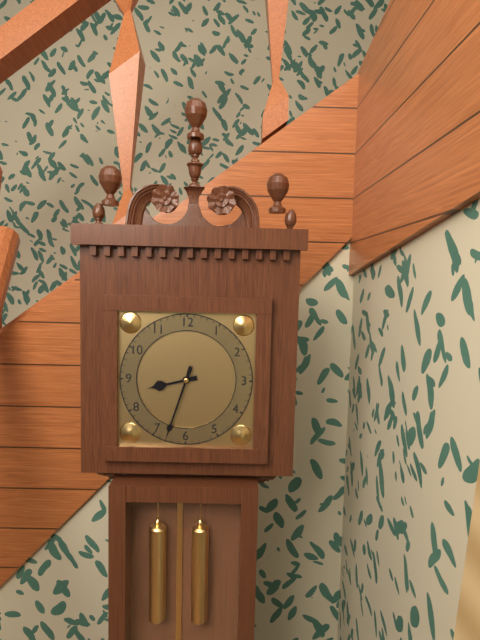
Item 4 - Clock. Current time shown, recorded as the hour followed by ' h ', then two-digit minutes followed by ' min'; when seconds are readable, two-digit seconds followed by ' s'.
8 h 33 min
